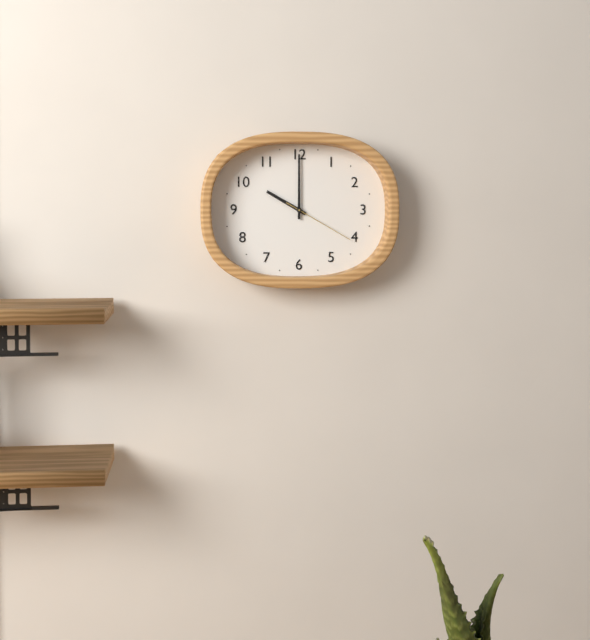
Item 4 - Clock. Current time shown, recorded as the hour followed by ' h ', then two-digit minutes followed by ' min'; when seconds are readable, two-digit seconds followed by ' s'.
10 h 00 min 20 s
